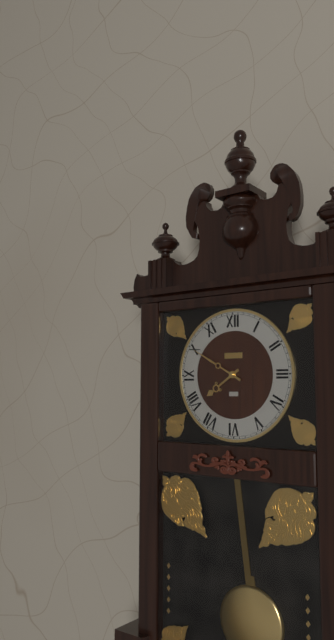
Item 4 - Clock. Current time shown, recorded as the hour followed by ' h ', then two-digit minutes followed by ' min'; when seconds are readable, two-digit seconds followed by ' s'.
7 h 50 min
